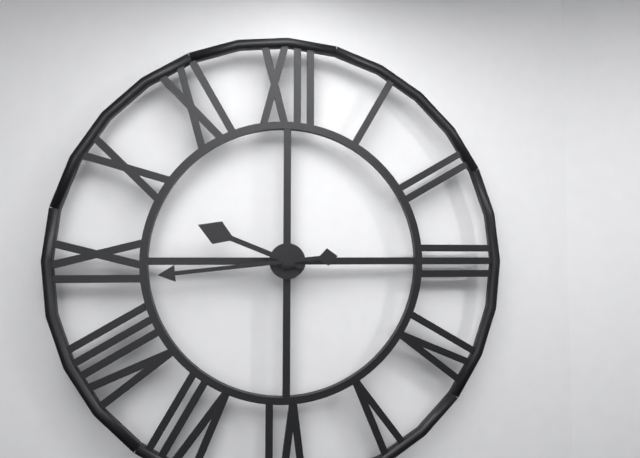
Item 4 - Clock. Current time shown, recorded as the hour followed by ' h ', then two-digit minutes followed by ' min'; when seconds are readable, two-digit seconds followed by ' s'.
9 h 44 min
